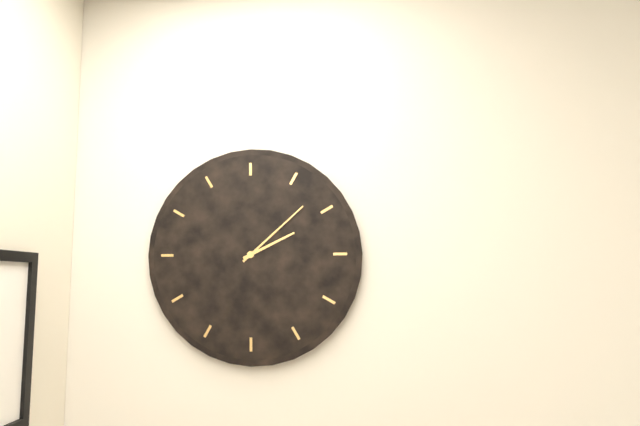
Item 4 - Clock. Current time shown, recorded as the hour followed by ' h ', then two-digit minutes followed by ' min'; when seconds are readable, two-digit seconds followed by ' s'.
2 h 08 min
